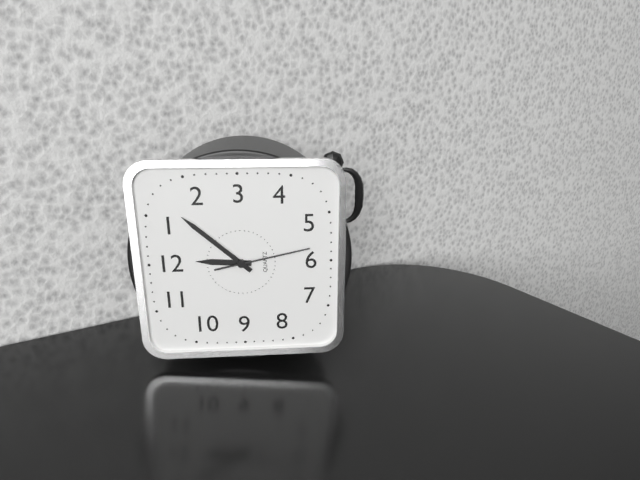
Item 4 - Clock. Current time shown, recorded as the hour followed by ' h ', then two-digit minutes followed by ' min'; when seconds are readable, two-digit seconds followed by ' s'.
12 h 07 min 28 s
